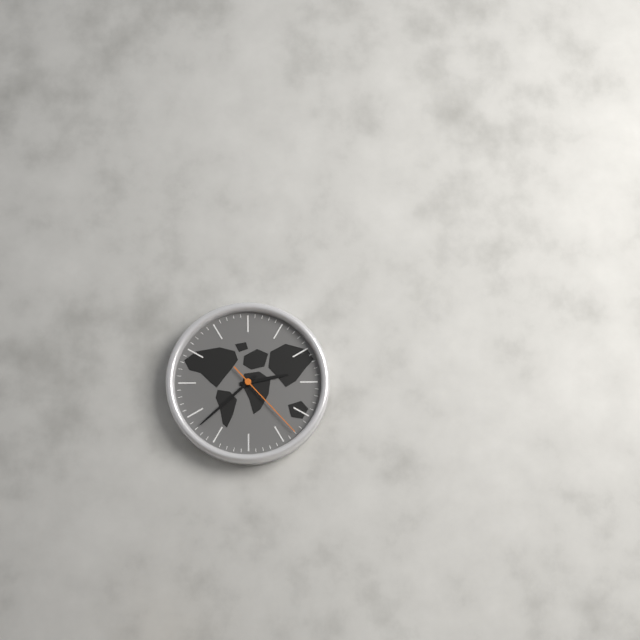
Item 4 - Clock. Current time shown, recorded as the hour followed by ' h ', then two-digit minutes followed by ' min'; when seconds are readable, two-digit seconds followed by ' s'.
2 h 38 min 23 s
